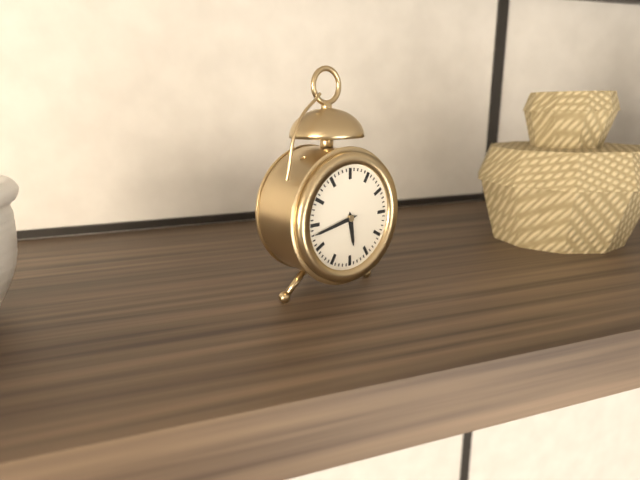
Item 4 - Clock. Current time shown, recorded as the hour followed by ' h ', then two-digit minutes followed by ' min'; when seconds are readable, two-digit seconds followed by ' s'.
5 h 43 min
